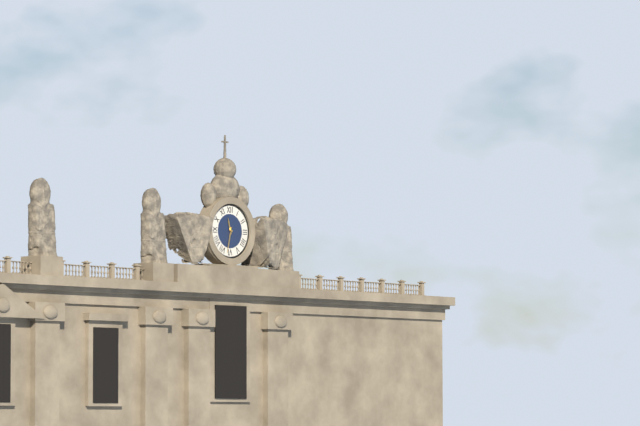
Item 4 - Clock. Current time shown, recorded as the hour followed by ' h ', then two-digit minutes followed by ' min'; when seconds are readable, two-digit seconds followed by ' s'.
11 h 32 min
